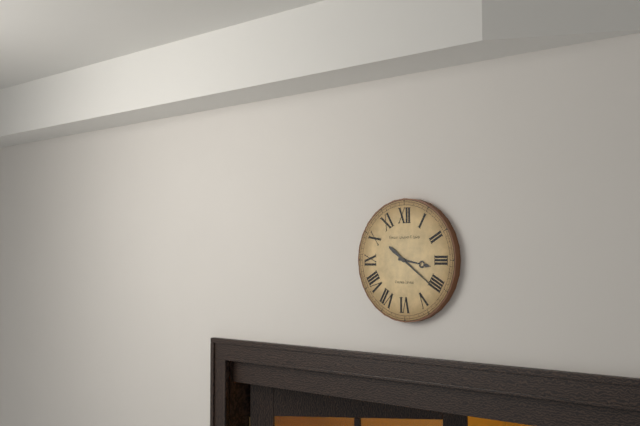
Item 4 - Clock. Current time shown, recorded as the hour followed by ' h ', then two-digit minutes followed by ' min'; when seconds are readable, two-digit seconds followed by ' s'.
3 h 21 min
